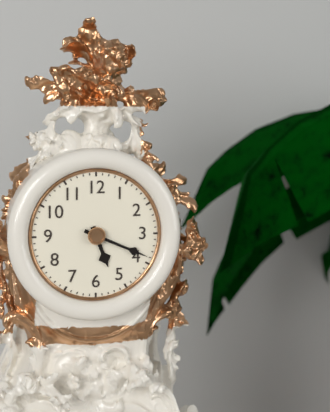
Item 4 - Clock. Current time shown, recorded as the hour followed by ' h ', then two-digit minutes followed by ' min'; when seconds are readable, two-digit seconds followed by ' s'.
5 h 19 min
